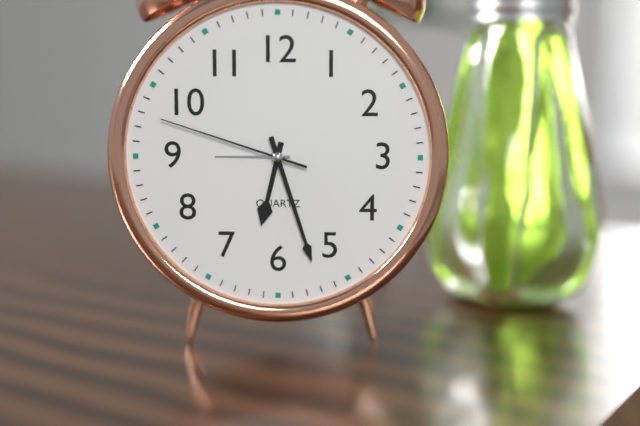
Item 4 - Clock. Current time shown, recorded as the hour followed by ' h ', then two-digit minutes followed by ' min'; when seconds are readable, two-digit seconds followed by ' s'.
6 h 27 min 48 s
